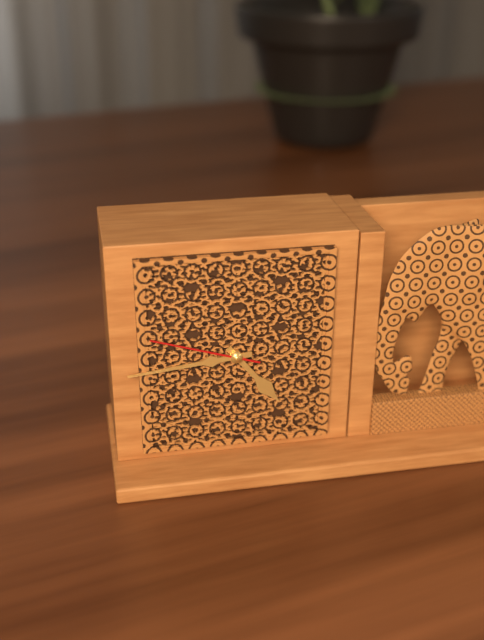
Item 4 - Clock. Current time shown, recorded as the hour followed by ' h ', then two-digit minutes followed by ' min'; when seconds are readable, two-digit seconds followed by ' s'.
4 h 44 min 48 s
